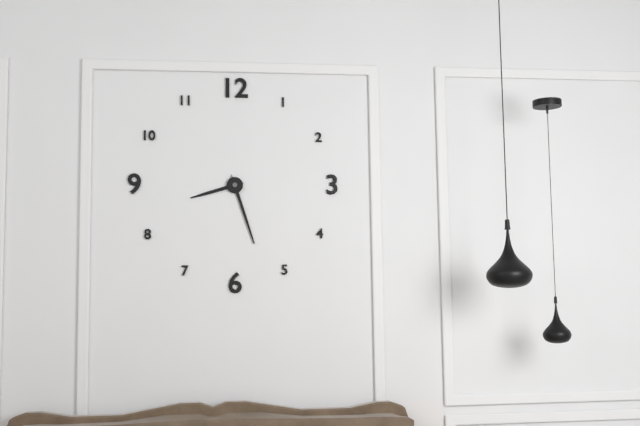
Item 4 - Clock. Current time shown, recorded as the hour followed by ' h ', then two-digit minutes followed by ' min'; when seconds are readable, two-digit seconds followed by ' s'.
8 h 27 min
